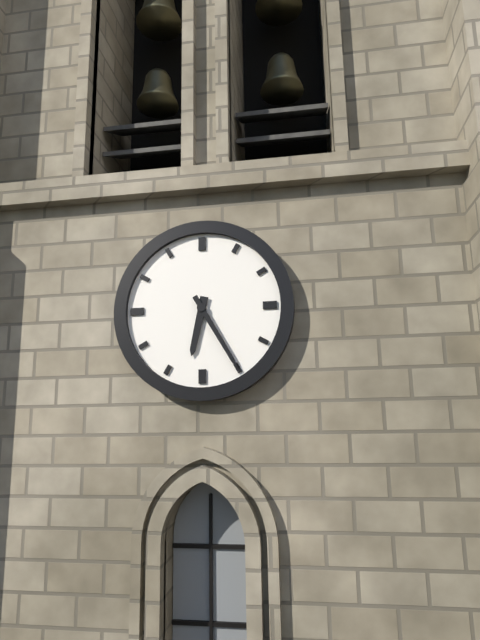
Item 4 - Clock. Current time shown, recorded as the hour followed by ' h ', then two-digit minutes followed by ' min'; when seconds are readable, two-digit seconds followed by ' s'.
6 h 25 min
